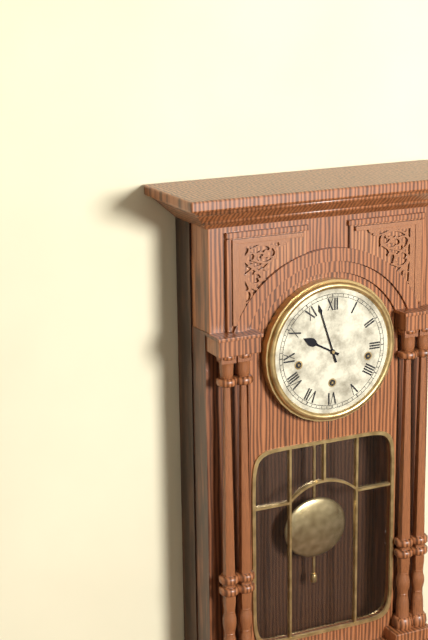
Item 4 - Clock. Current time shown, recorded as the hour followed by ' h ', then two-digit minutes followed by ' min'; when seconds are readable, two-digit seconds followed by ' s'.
9 h 57 min
